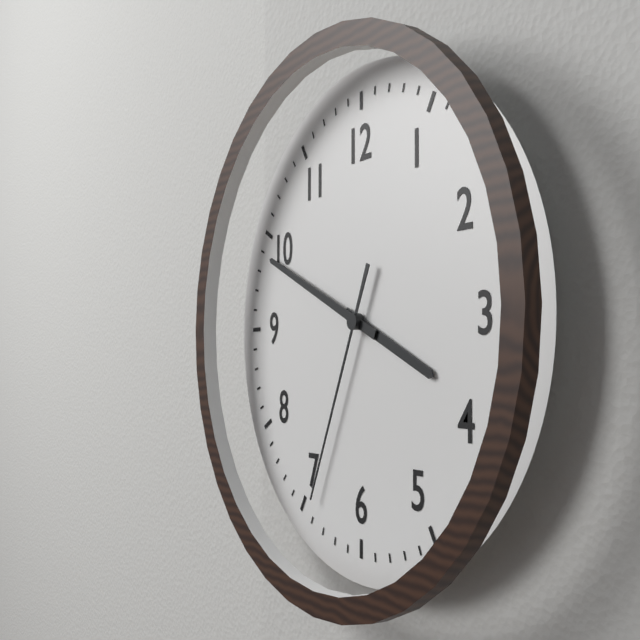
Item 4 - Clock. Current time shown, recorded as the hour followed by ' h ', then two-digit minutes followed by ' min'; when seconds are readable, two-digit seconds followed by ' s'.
3 h 49 min 34 s
